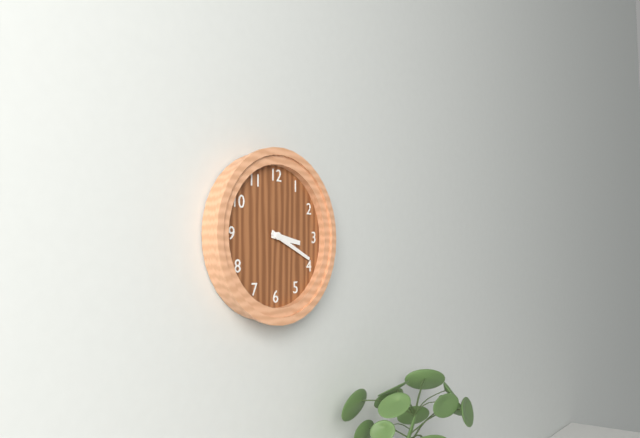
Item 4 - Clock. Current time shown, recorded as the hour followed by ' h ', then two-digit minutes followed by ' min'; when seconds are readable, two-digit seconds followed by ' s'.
3 h 19 min
